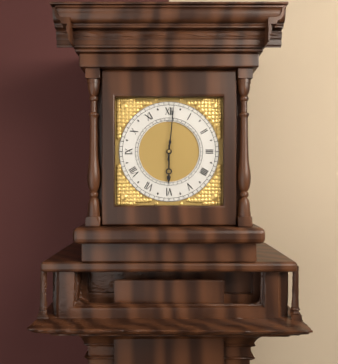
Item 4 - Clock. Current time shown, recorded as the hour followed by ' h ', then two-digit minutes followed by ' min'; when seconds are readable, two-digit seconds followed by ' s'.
6 h 01 min
